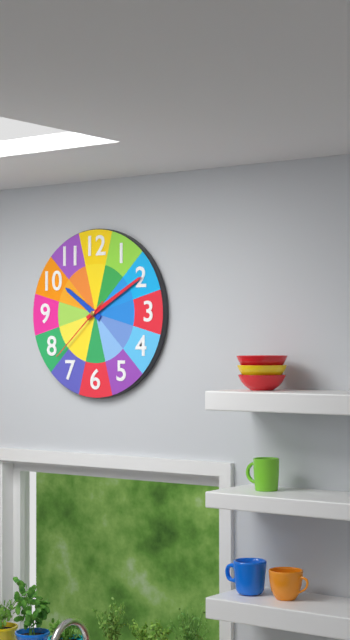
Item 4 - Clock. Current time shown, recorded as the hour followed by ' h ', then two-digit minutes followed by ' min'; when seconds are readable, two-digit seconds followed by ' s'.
10 h 10 min 38 s
